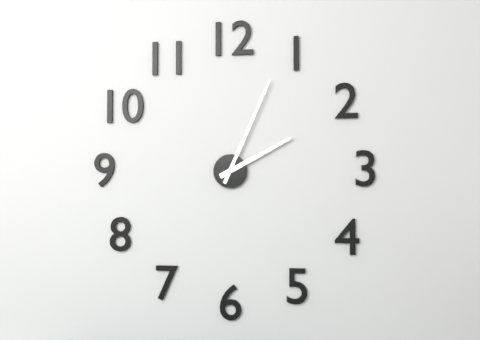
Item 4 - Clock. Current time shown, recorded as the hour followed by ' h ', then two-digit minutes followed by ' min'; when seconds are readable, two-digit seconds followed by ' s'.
2 h 04 min
